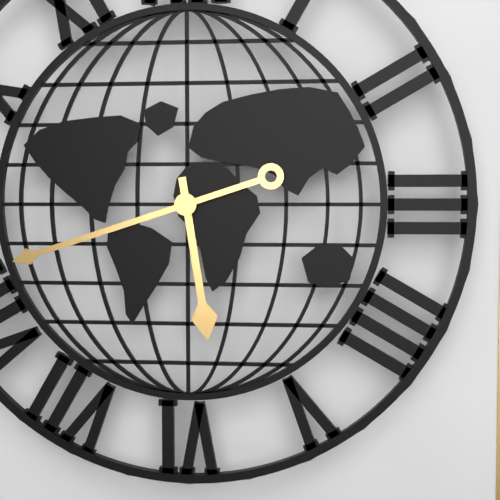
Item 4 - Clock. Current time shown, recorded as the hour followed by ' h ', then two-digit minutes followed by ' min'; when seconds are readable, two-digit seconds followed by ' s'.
5 h 42 min
